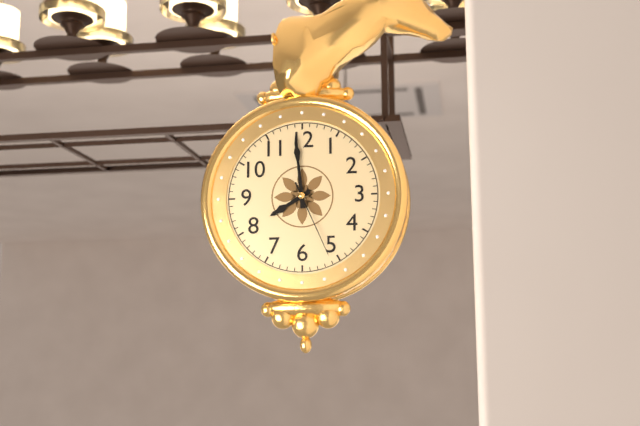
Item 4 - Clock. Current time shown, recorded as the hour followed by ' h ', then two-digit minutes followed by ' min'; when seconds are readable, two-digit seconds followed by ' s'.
7 h 59 min 26 s
